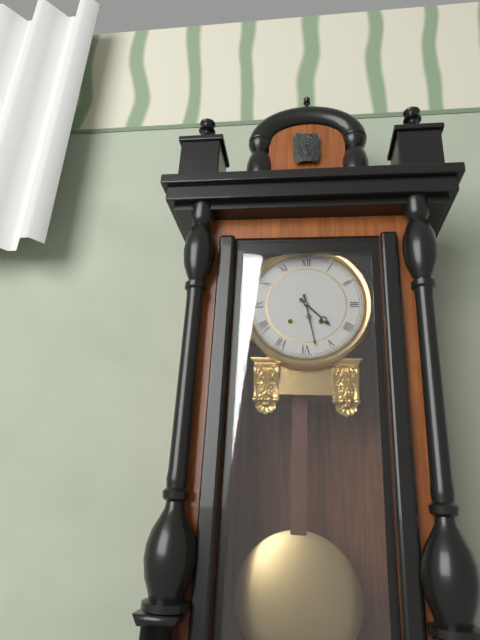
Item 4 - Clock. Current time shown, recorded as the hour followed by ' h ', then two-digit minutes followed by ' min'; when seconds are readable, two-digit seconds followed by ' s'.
4 h 28 min
